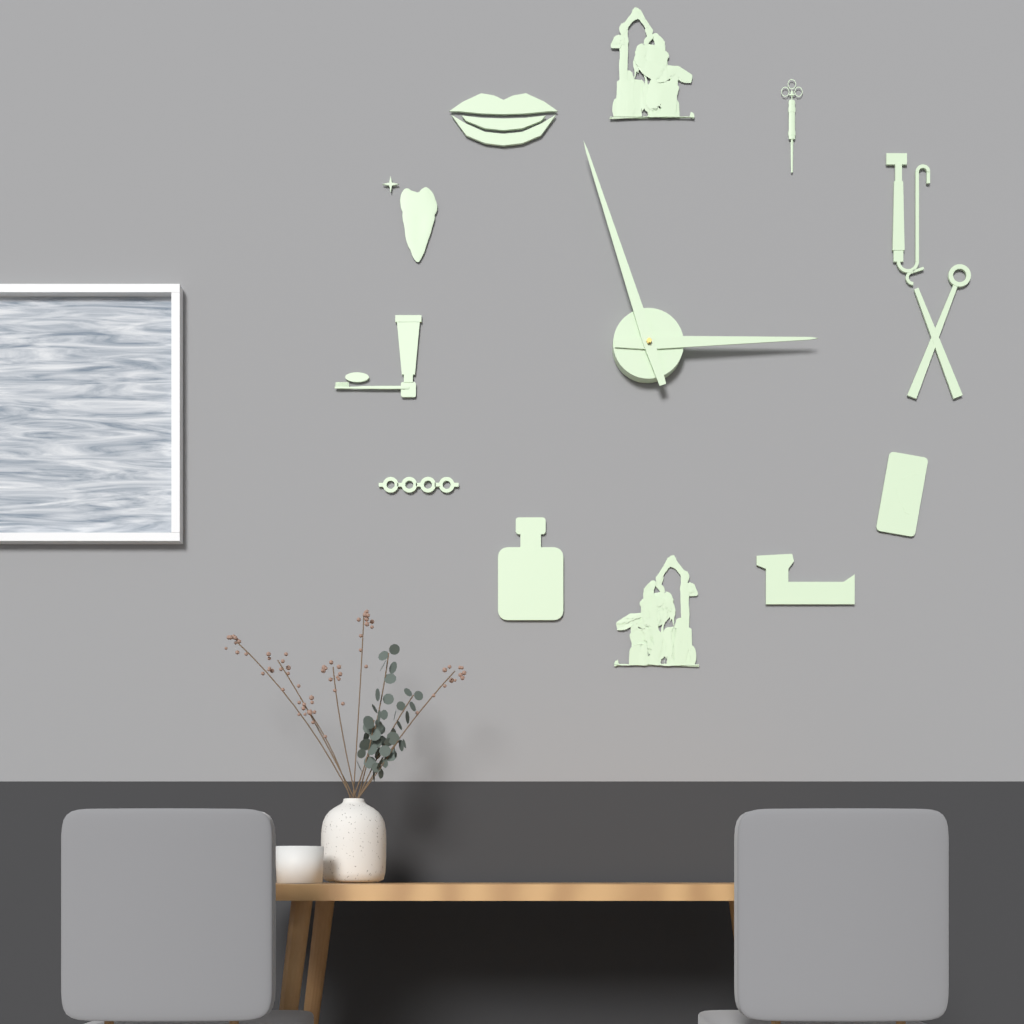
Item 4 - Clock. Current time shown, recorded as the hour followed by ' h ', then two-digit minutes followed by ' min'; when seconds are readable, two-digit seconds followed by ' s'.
2 h 57 min
